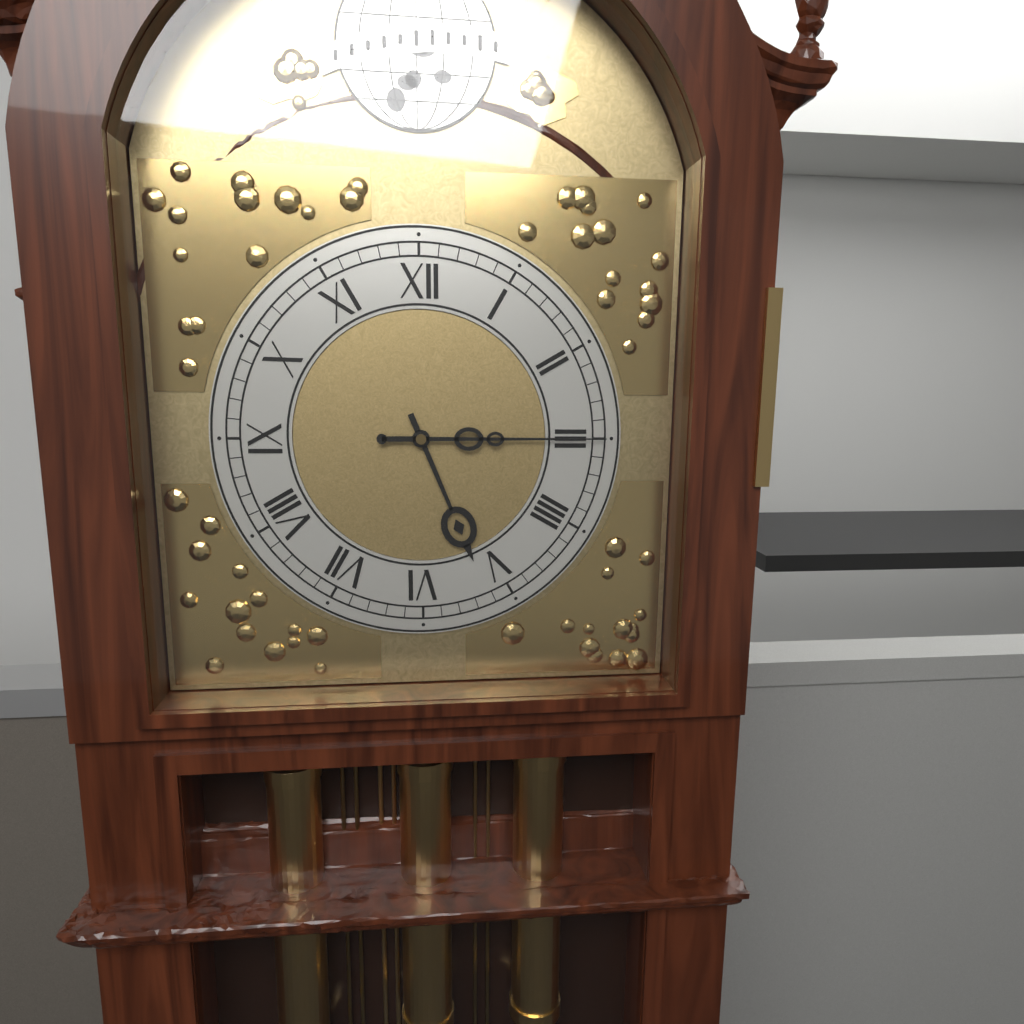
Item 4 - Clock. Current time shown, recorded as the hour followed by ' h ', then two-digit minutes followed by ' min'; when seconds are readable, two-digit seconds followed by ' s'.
5 h 15 min
